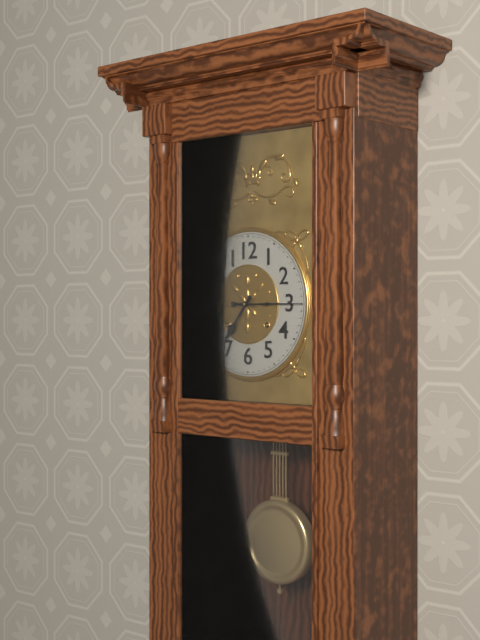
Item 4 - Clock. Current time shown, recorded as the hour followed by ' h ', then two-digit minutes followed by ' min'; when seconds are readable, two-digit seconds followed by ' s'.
7 h 15 min
